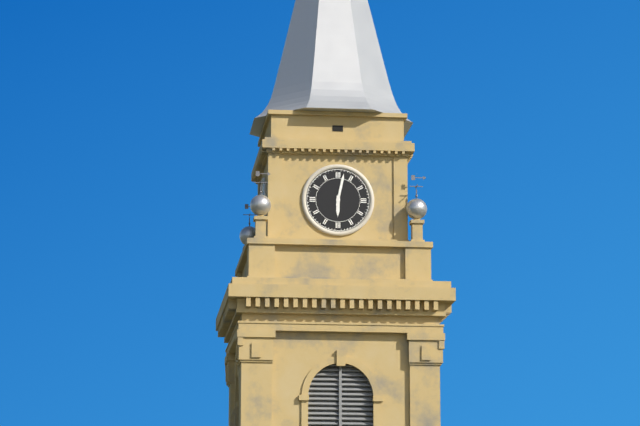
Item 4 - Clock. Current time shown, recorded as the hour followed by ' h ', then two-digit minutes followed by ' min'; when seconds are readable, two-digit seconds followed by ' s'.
6 h 02 min
